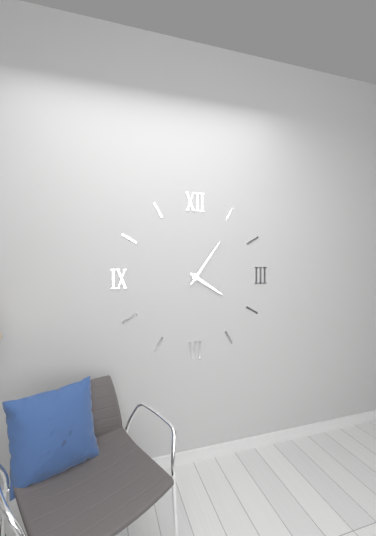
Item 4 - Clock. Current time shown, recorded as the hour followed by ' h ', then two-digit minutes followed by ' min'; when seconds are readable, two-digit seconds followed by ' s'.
4 h 06 min
